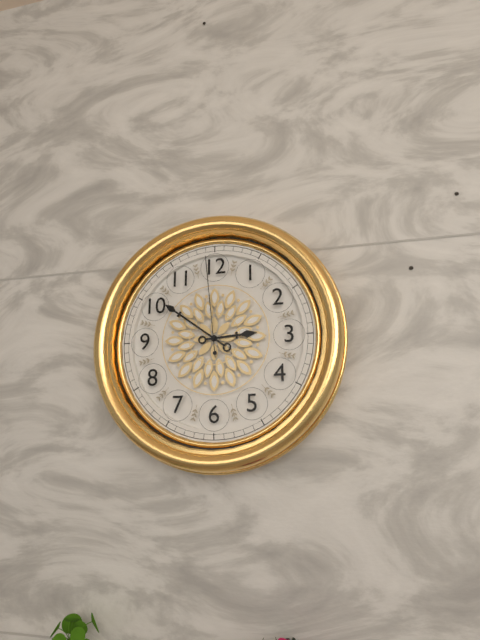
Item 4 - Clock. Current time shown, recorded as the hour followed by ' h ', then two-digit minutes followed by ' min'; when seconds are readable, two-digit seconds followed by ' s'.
2 h 51 min 59 s
